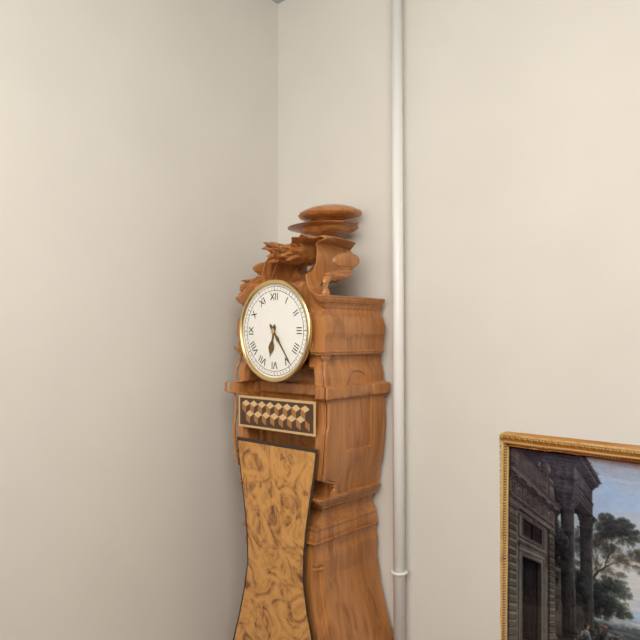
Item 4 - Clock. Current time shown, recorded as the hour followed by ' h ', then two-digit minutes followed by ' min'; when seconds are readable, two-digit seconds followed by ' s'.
6 h 24 min
